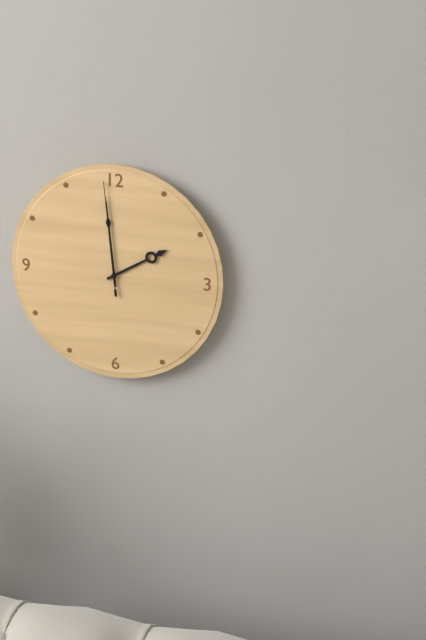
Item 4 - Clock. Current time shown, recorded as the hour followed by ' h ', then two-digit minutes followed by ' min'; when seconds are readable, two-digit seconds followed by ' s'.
1 h 59 min 59 s
